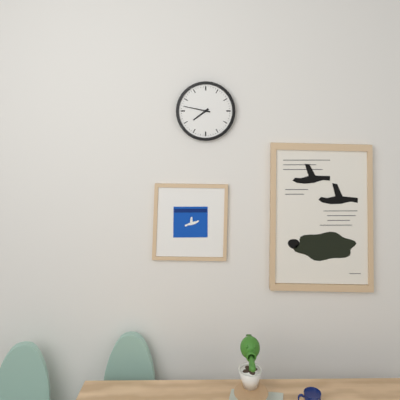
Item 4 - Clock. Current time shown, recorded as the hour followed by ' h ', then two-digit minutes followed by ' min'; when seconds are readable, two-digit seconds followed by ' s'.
7 h 47 min
